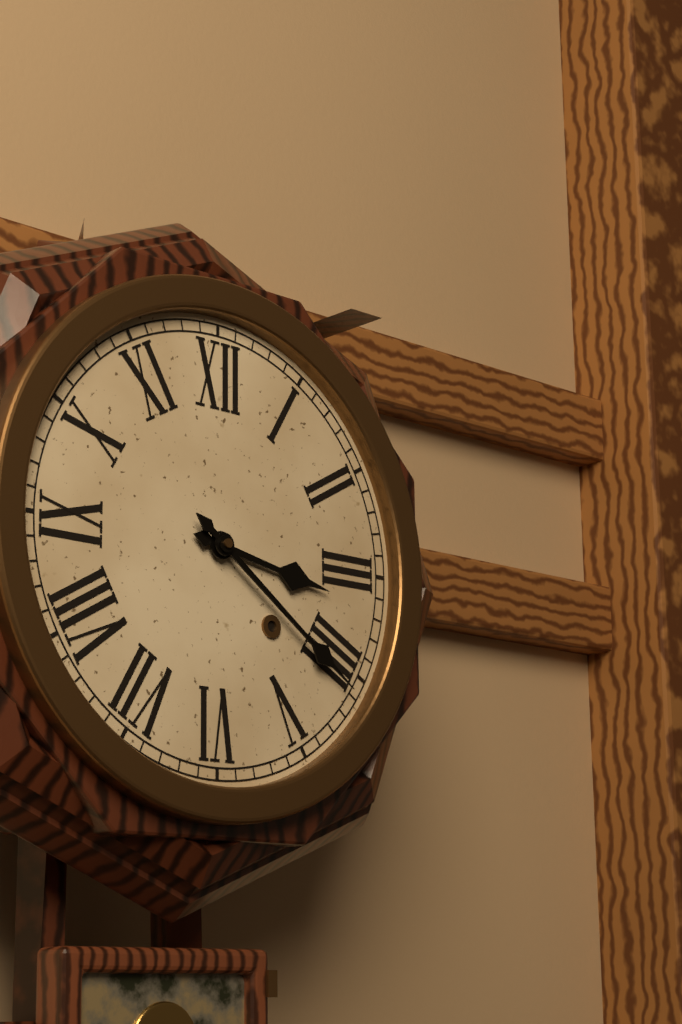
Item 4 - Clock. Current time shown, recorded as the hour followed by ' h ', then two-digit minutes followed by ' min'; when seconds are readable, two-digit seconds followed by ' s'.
3 h 21 min
